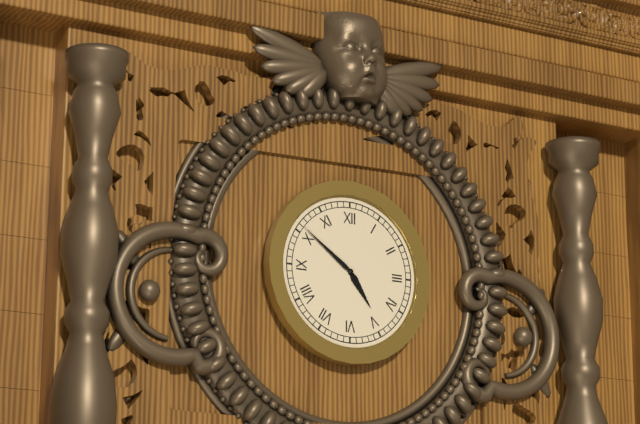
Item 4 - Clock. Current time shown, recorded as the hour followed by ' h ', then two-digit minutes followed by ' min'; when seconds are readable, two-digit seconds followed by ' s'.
4 h 51 min
